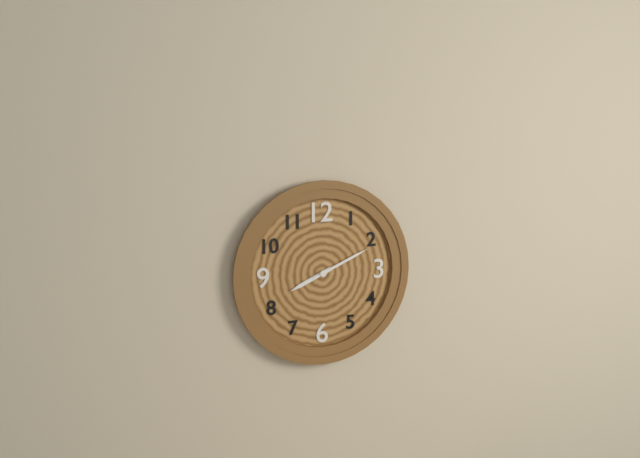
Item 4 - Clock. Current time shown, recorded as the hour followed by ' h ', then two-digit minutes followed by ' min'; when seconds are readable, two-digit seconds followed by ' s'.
8 h 11 min
